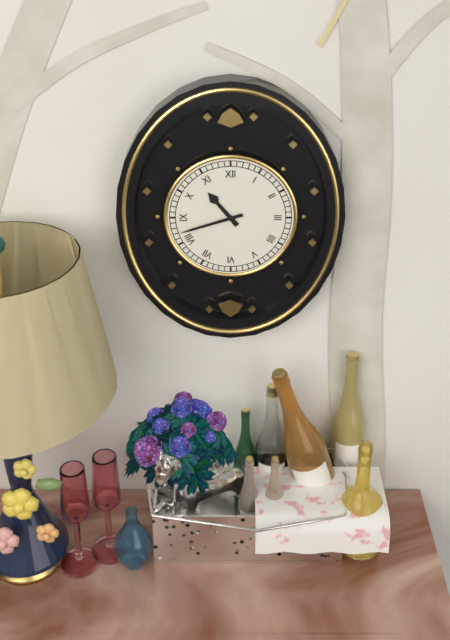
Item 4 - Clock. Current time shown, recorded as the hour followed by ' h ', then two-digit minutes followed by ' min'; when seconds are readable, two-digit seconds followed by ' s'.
10 h 42 min
